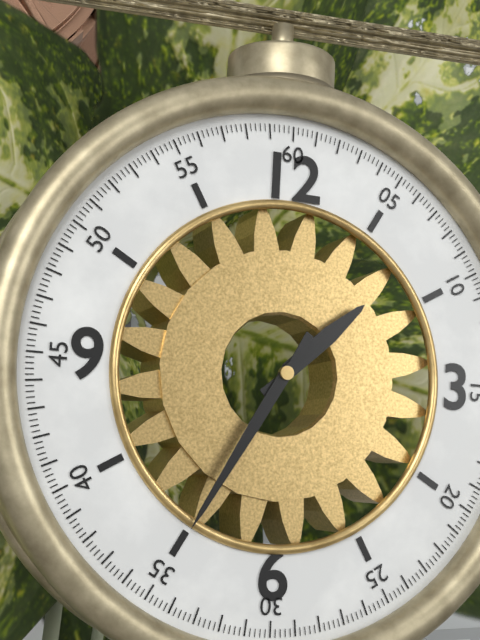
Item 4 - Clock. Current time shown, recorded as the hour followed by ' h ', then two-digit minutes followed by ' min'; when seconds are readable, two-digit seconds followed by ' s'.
1 h 35 min
